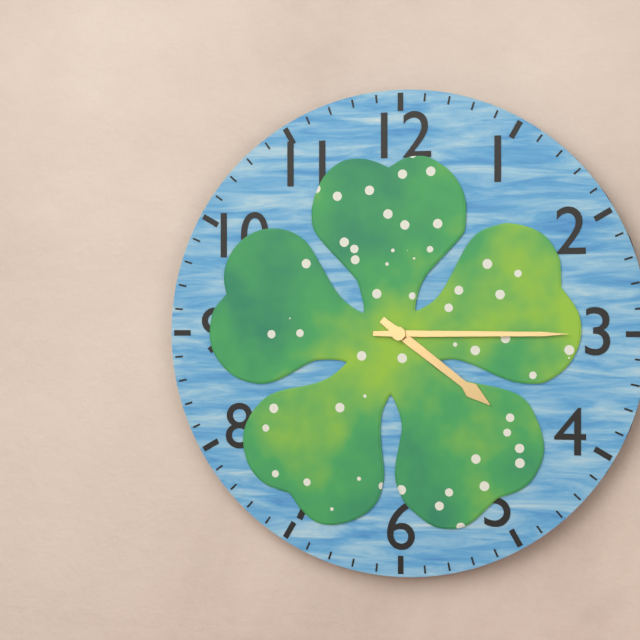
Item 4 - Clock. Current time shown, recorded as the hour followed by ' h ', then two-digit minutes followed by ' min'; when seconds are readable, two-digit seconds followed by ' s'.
4 h 15 min
